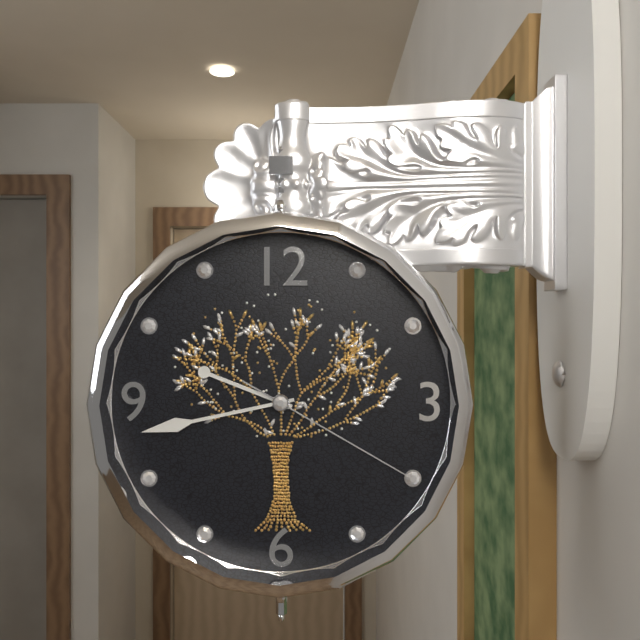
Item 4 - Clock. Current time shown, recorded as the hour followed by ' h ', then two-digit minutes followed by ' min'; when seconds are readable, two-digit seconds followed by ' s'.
9 h 43 min 20 s
